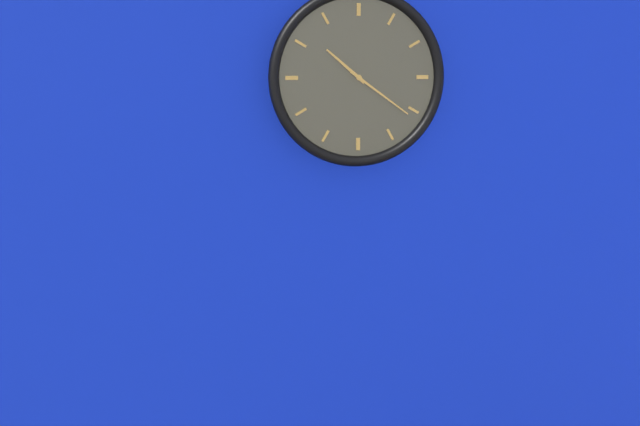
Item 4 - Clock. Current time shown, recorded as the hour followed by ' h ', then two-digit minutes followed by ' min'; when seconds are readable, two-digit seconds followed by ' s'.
10 h 21 min
